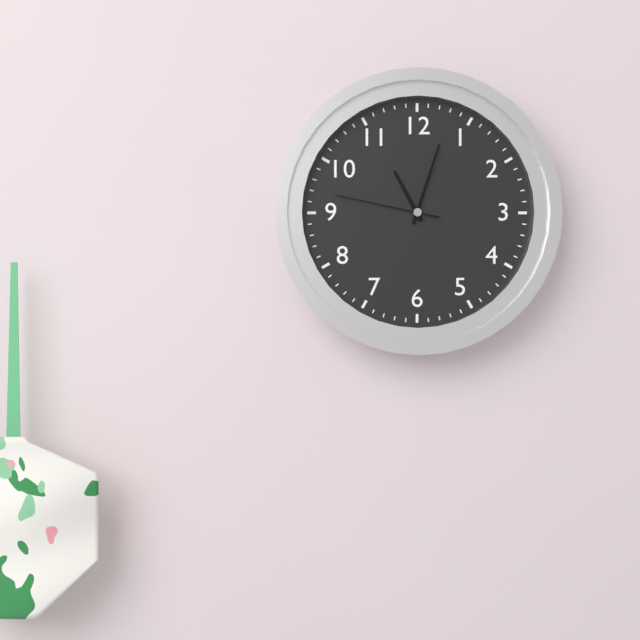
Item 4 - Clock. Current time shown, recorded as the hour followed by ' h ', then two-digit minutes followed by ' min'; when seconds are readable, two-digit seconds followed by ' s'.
11 h 03 min 47 s
